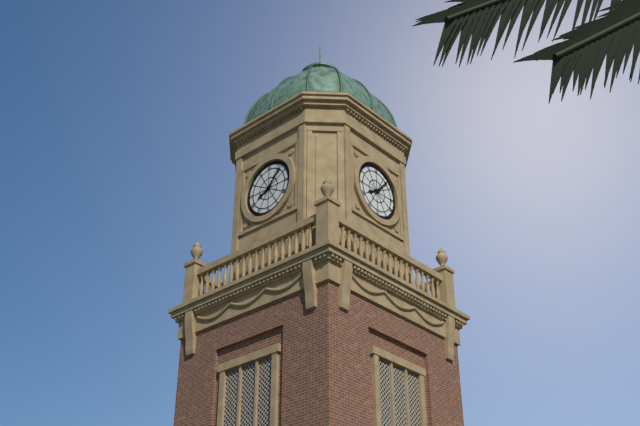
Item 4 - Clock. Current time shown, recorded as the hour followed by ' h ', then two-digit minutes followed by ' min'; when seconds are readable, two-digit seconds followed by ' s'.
8 h 07 min
